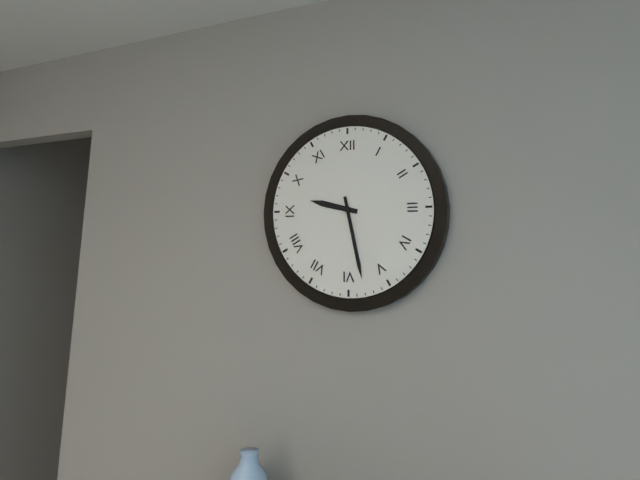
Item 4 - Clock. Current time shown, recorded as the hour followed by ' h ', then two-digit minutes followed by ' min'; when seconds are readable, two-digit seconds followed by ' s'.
9 h 28 min
